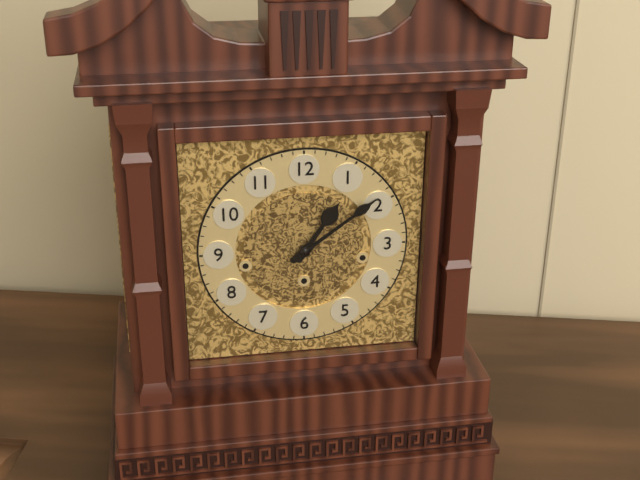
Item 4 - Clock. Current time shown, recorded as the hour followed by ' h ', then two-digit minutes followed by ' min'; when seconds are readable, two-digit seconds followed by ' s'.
1 h 09 min
